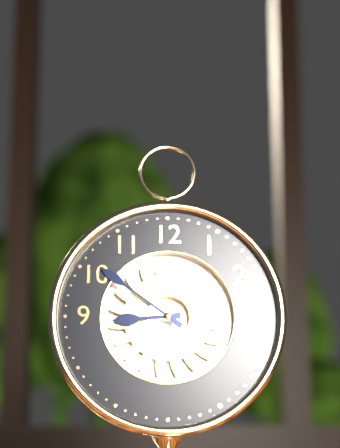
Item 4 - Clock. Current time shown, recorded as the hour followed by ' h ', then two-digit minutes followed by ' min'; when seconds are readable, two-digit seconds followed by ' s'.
8 h 51 min
